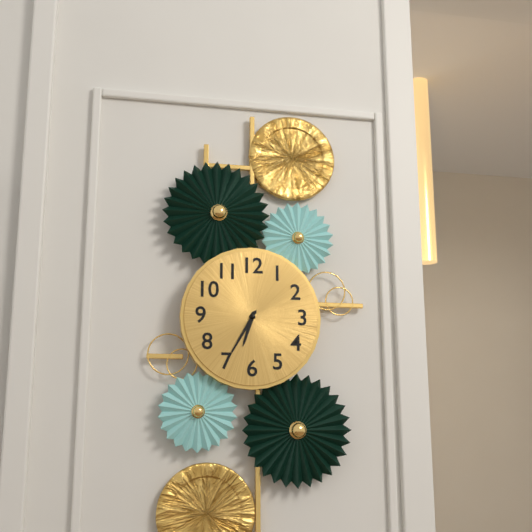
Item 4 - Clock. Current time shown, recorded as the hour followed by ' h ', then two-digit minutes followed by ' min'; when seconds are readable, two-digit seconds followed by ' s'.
6 h 35 min
